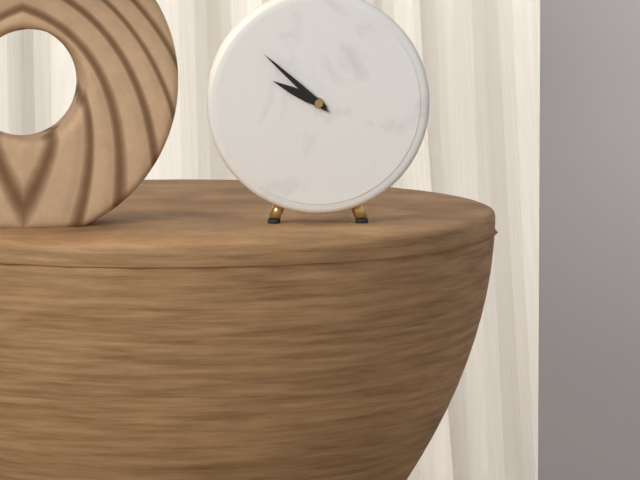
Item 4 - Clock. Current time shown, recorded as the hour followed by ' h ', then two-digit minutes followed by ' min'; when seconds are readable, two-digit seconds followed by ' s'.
9 h 52 min
